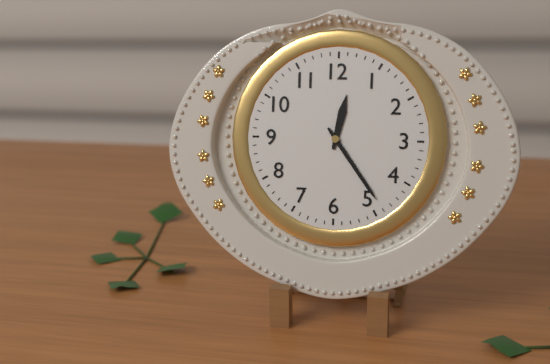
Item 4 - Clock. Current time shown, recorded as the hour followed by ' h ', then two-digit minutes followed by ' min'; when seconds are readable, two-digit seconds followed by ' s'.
12 h 24 min
